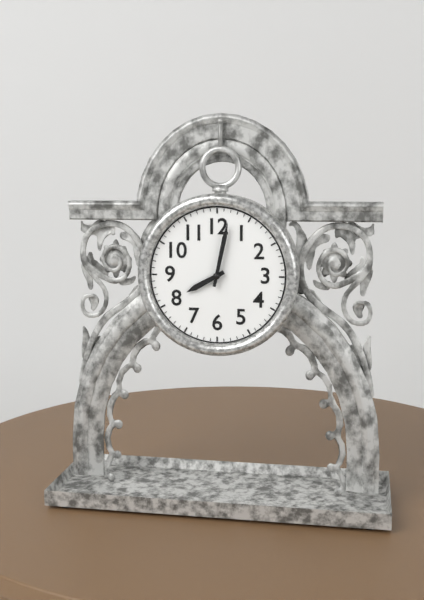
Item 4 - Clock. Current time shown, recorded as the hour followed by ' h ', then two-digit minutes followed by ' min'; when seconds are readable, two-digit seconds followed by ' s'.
8 h 02 min
